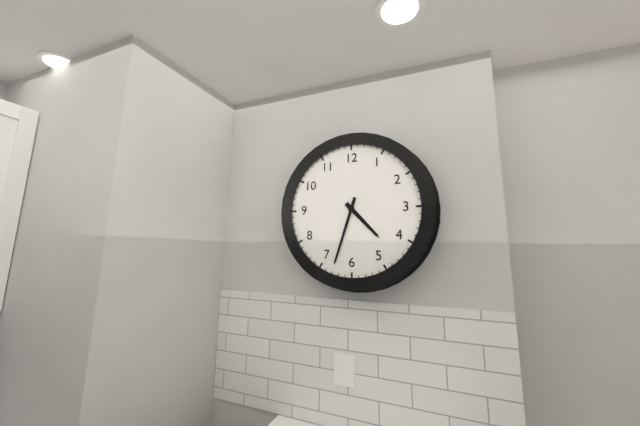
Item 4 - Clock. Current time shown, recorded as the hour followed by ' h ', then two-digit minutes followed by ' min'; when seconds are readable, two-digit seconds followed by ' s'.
4 h 33 min
